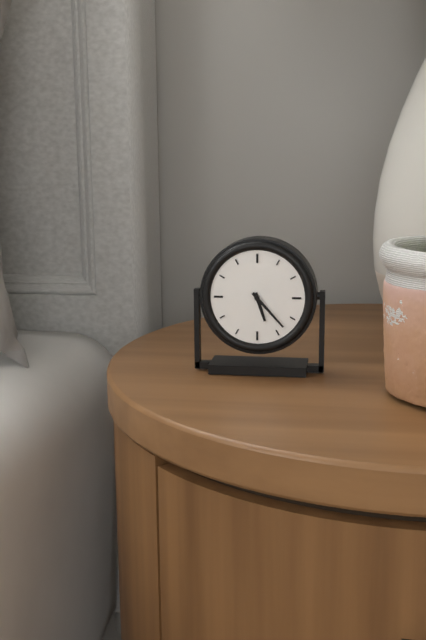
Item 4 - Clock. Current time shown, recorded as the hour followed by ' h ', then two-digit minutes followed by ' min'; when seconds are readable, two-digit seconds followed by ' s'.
5 h 23 min
